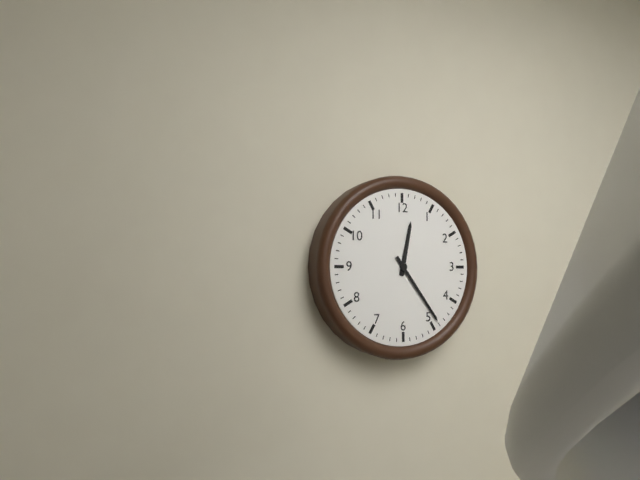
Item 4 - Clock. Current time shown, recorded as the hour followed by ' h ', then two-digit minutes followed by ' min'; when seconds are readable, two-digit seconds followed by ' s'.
12 h 24 min
